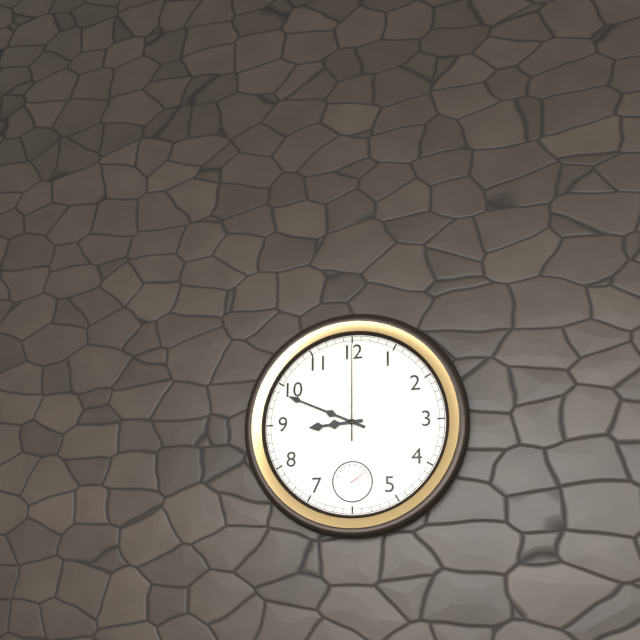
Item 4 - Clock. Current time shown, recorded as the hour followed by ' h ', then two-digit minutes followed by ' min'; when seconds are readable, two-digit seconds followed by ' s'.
8 h 49 min 00 s
